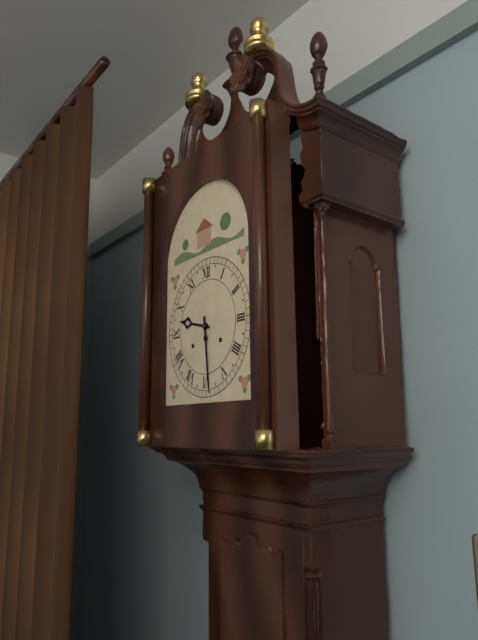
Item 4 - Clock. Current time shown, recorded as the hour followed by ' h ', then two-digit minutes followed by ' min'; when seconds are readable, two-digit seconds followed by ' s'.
9 h 29 min
